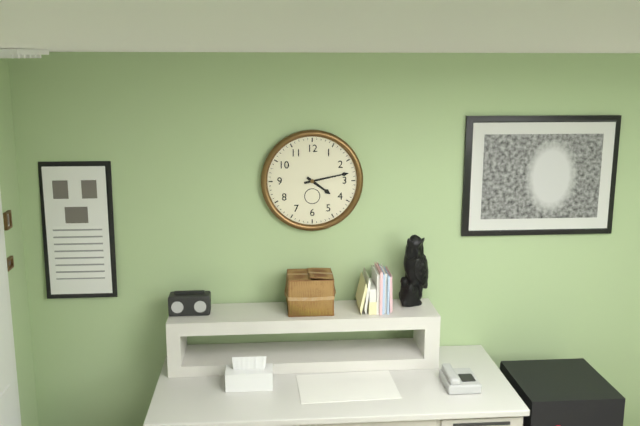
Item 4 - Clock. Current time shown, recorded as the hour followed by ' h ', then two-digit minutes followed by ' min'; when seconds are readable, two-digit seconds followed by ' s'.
4 h 13 min
